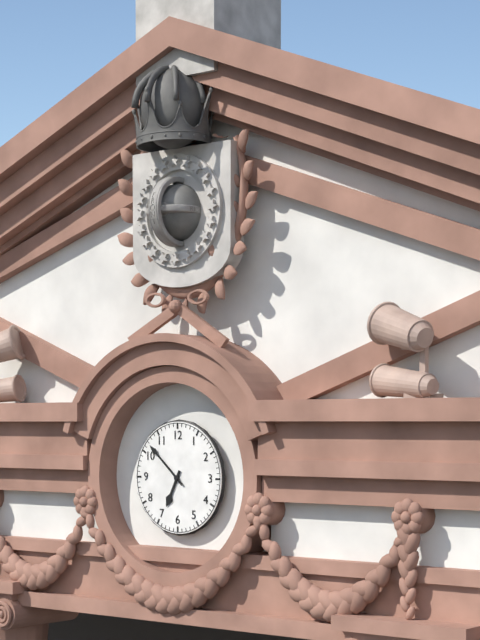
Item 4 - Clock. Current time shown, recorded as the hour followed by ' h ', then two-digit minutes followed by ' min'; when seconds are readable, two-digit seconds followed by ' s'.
6 h 52 min
